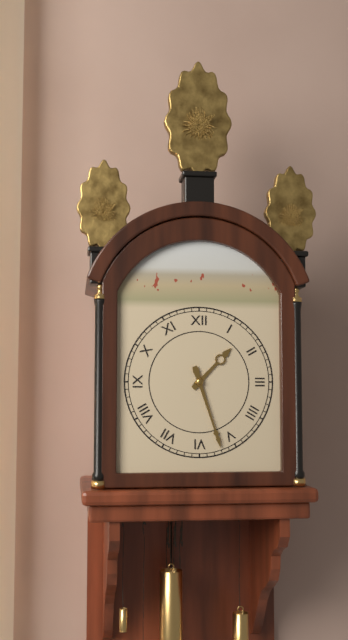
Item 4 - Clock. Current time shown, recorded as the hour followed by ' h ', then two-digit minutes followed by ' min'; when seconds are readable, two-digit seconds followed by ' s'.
1 h 27 min
